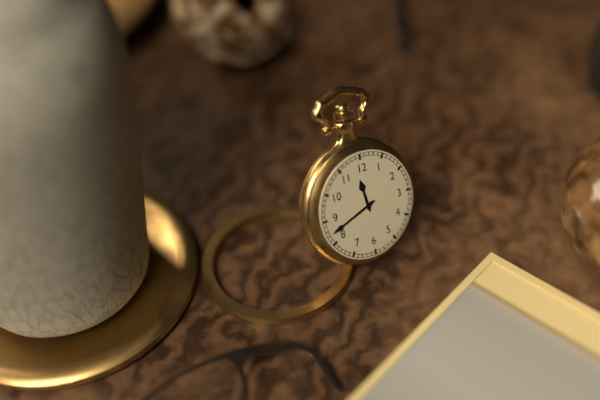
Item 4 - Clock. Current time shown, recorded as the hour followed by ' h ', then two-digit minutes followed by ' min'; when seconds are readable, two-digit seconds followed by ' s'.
11 h 42 min
